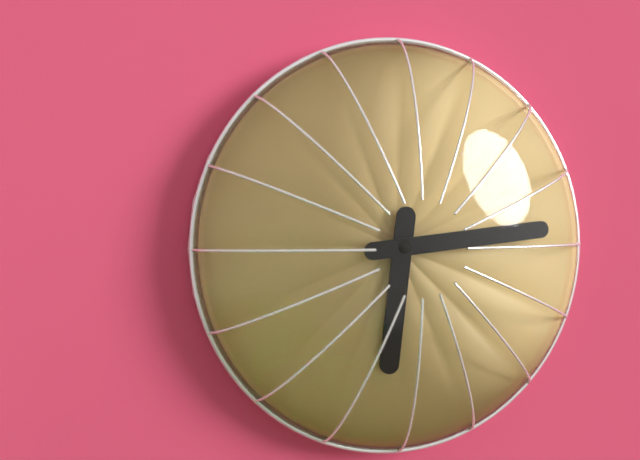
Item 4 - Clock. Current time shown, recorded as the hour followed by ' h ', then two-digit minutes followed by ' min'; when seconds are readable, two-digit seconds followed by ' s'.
6 h 14 min
